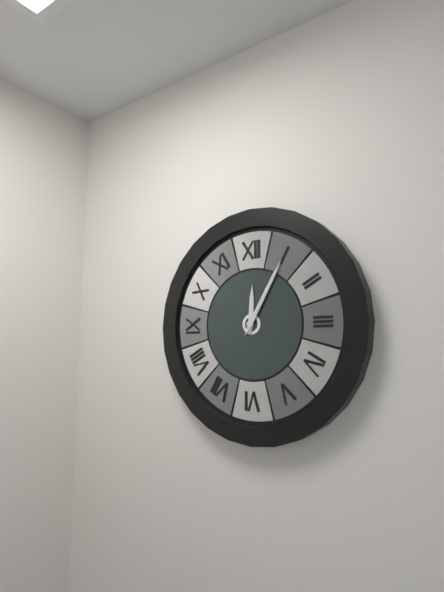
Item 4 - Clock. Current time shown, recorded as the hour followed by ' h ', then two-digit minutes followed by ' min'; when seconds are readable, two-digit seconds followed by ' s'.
12 h 05 min
